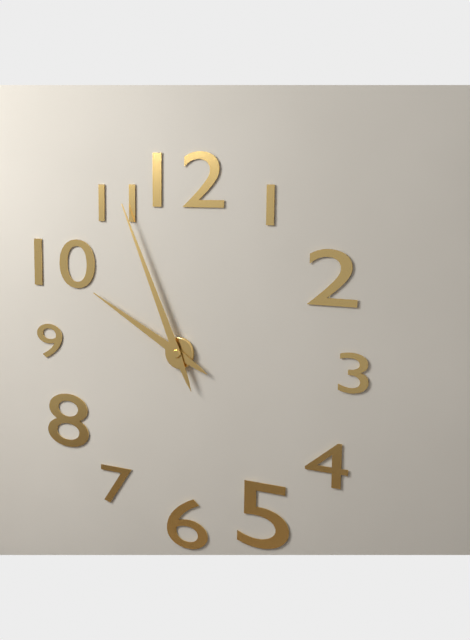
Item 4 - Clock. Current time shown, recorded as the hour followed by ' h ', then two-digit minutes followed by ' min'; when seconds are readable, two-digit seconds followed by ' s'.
9 h 56 min
